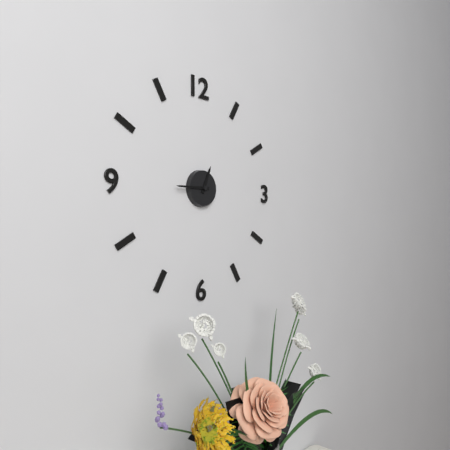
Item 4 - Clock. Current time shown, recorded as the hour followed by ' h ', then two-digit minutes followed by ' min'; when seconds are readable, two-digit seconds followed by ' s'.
12 h 45 min
